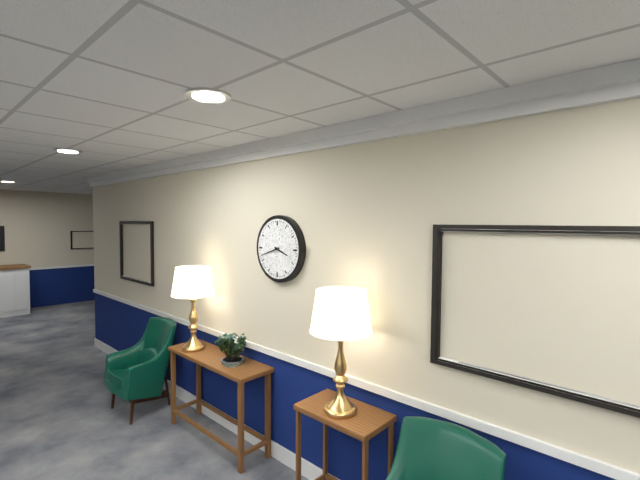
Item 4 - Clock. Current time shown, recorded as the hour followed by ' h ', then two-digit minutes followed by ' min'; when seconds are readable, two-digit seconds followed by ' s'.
3 h 42 min
